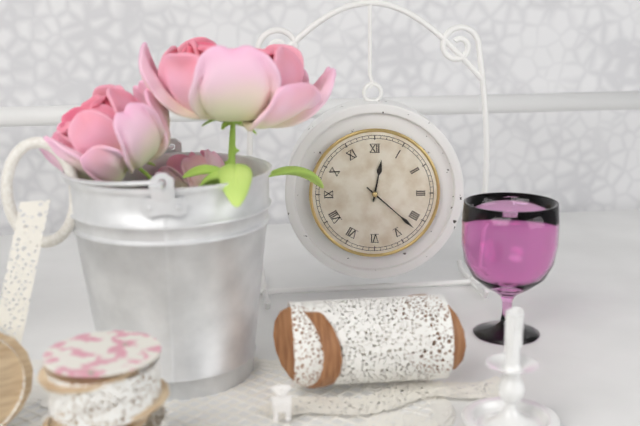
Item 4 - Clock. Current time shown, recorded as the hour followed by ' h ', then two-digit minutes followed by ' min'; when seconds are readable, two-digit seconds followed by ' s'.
12 h 22 min
